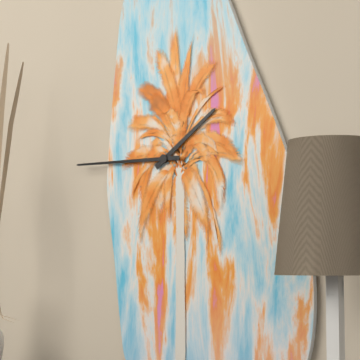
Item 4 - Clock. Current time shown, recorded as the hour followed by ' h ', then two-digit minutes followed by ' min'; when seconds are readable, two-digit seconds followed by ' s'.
1 h 45 min
